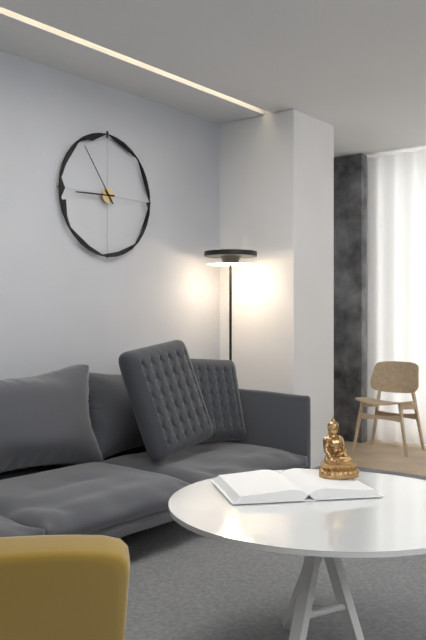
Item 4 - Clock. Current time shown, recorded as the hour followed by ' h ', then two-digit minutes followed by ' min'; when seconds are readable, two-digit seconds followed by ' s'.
8 h 54 min
